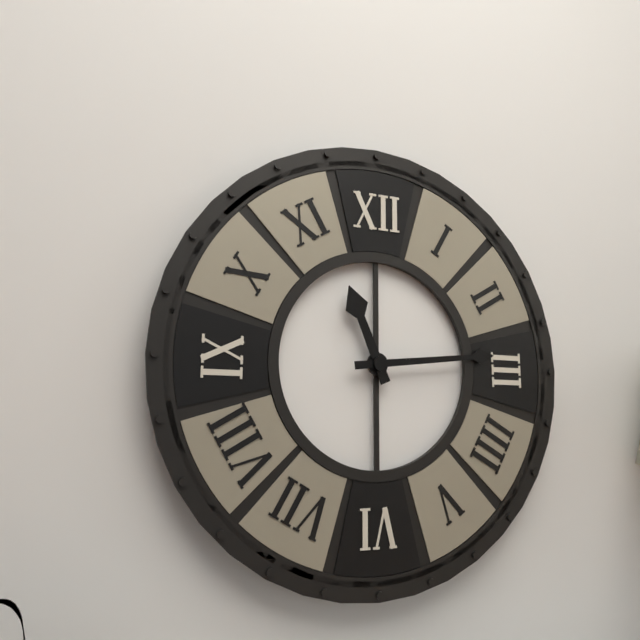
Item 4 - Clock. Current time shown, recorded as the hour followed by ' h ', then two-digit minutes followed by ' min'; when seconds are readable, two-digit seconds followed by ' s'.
11 h 14 min
